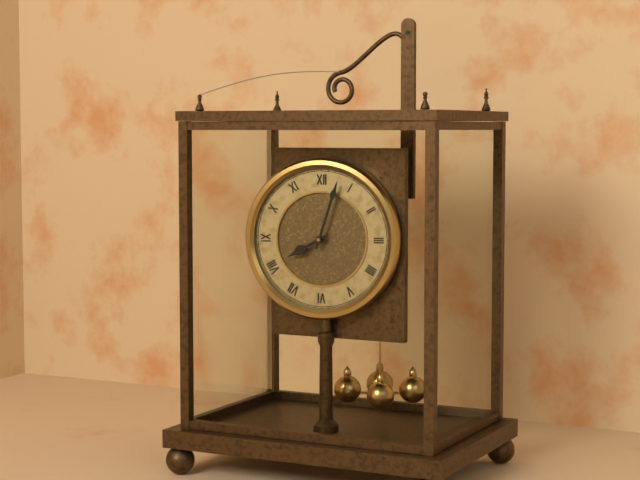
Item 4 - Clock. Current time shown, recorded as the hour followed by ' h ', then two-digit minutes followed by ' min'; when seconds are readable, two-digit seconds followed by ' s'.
8 h 03 min
